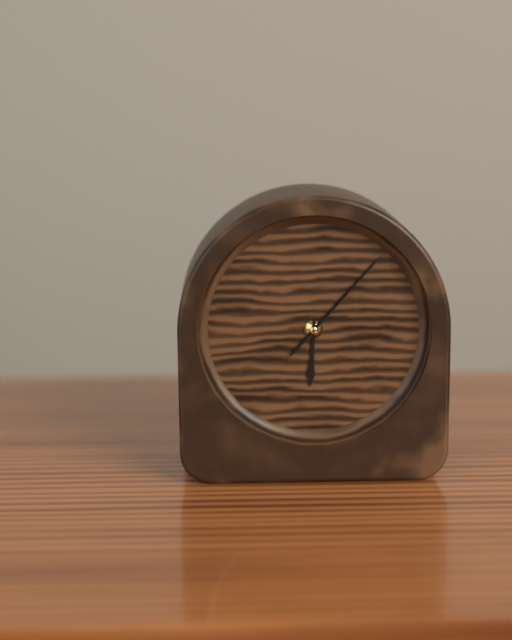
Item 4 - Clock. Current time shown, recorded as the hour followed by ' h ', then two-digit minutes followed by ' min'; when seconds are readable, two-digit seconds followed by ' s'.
6 h 07 min 07 s
